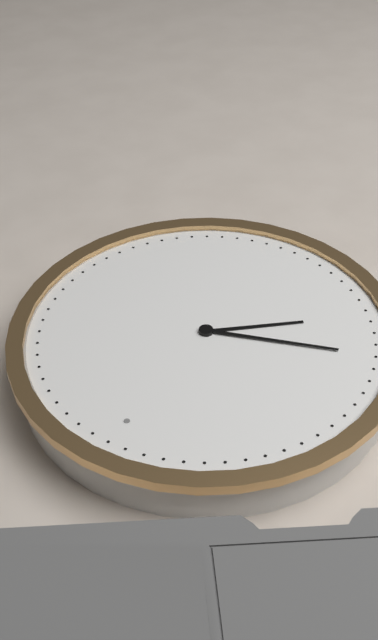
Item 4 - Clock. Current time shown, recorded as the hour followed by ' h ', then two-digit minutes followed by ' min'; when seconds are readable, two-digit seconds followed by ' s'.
7 h 42 min
